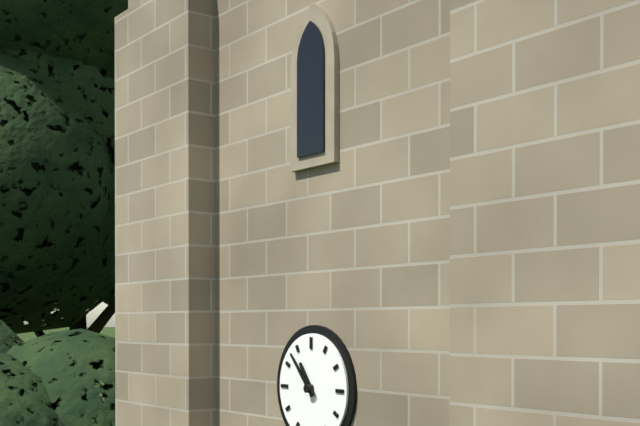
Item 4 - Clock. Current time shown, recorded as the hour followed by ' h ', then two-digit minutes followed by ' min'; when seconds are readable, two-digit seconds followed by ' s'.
10 h 53 min
